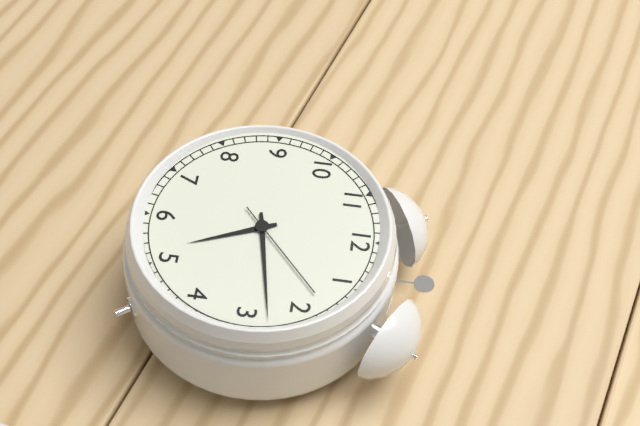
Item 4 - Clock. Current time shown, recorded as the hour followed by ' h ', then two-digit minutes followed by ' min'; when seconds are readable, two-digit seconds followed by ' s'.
5 h 13 min 08 s
